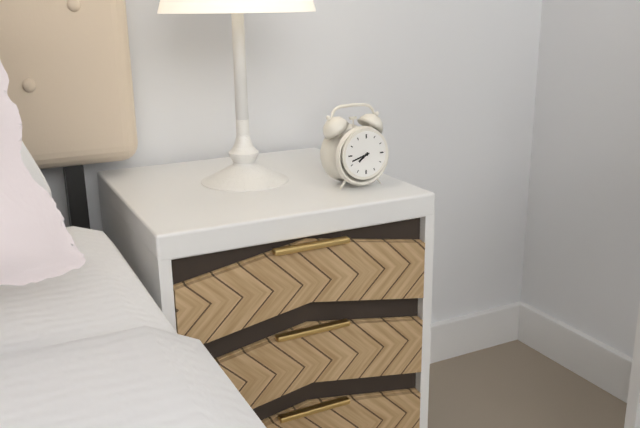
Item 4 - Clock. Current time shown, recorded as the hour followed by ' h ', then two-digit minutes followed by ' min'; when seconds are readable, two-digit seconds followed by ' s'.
7 h 42 min
